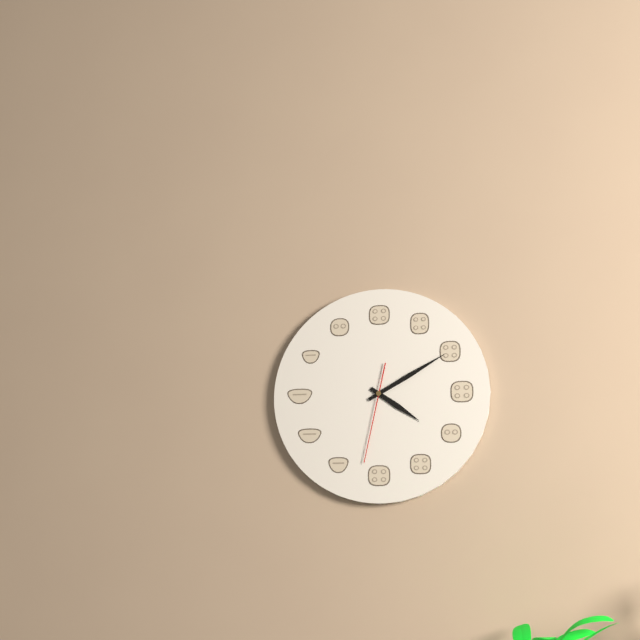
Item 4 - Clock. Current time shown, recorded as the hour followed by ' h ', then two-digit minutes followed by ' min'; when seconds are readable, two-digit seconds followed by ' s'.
4 h 10 min 32 s
